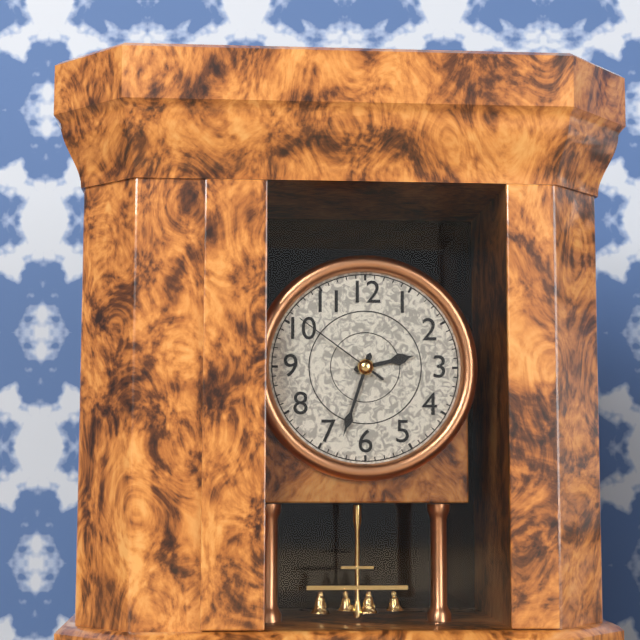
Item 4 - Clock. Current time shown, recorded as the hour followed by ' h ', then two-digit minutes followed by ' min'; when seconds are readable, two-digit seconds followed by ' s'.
2 h 33 min 51 s
